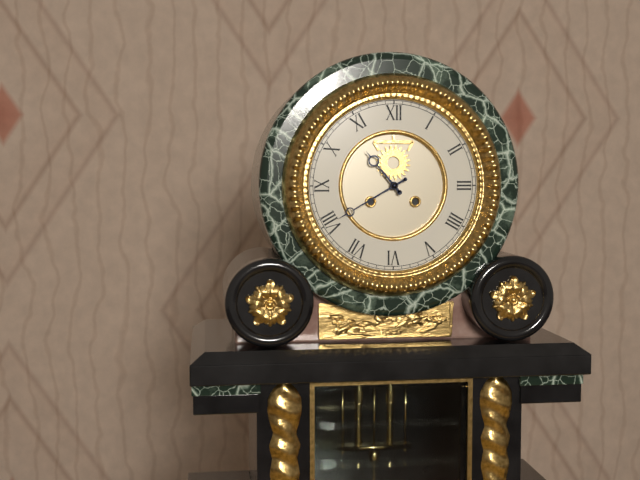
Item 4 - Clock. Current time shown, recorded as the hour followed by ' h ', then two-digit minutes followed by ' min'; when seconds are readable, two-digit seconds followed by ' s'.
10 h 40 min
